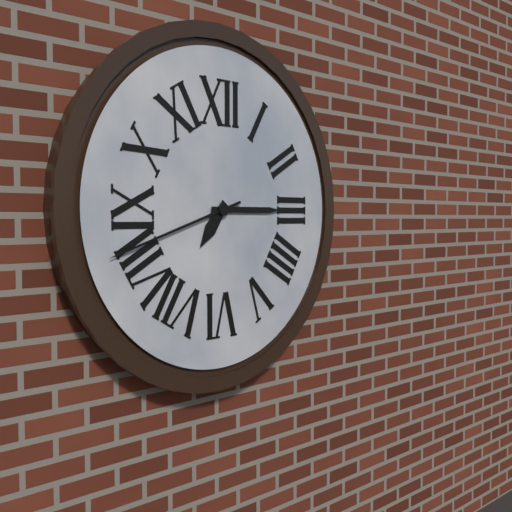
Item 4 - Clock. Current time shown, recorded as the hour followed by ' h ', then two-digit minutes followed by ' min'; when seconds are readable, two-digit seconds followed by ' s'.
7 h 15 min 42 s
